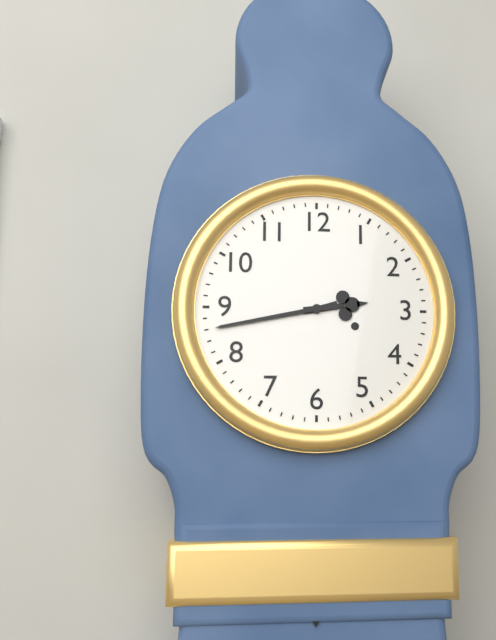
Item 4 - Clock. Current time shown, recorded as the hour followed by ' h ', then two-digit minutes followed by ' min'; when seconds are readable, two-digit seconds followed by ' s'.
2 h 43 min
